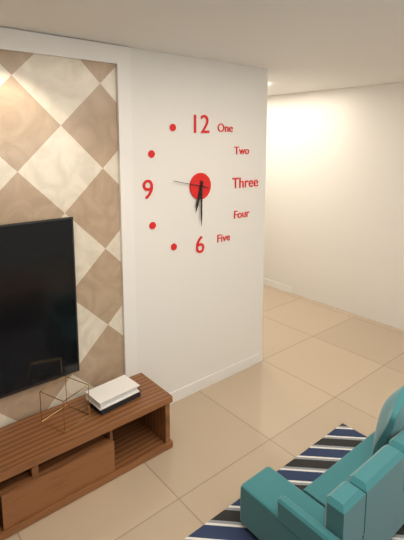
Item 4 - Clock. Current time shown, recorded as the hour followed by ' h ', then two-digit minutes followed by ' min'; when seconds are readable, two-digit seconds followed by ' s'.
6 h 30 min
